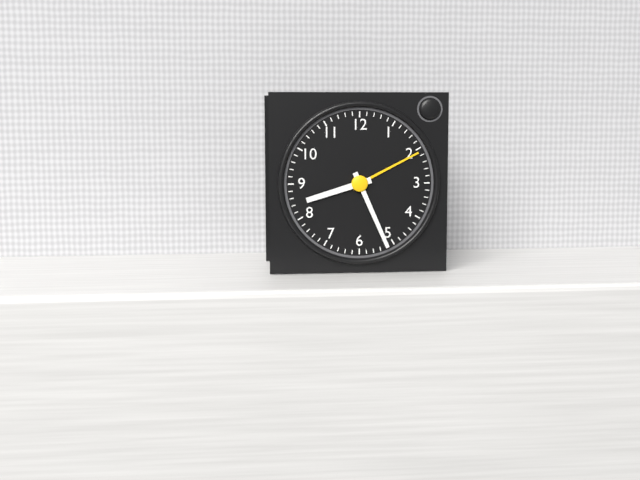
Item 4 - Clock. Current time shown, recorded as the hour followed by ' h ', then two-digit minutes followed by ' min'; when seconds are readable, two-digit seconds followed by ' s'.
8 h 26 min
